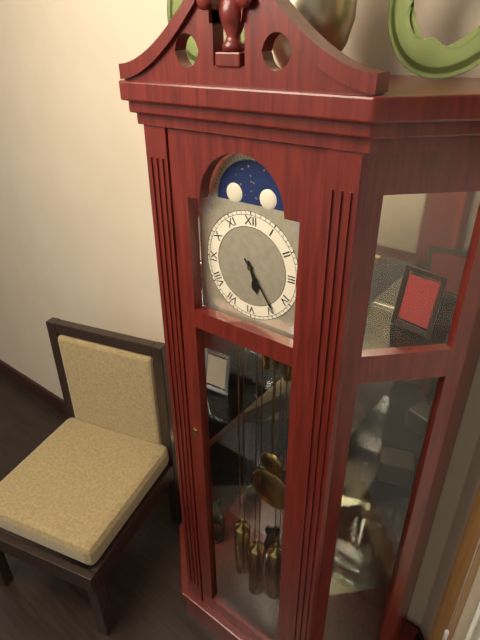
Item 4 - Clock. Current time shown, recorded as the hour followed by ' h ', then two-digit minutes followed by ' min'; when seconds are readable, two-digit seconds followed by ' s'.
5 h 24 min
